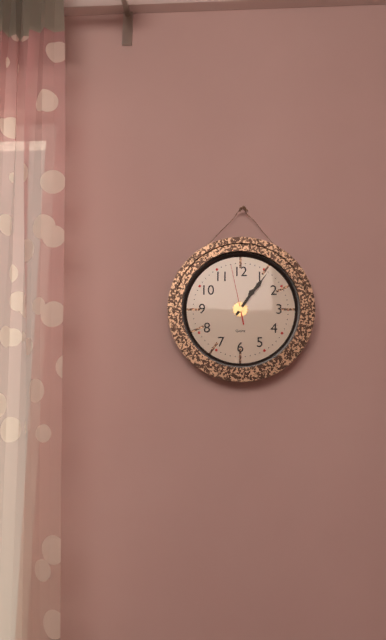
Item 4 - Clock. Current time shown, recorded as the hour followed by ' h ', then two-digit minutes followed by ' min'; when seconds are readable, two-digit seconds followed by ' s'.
1 h 06 min 58 s
